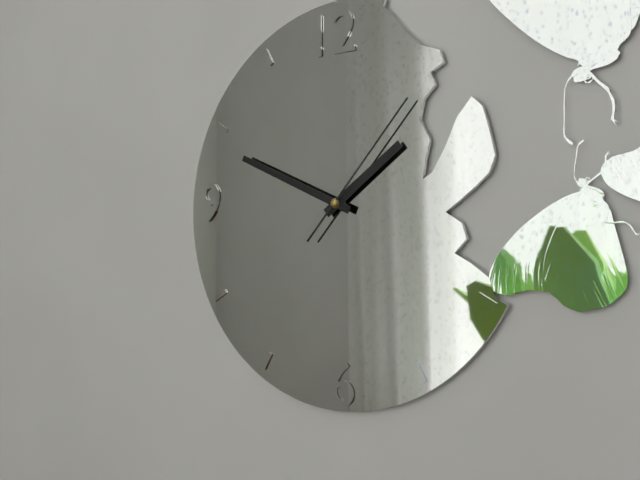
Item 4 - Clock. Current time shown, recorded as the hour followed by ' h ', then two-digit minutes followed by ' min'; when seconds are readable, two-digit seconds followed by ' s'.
1 h 49 min 07 s
